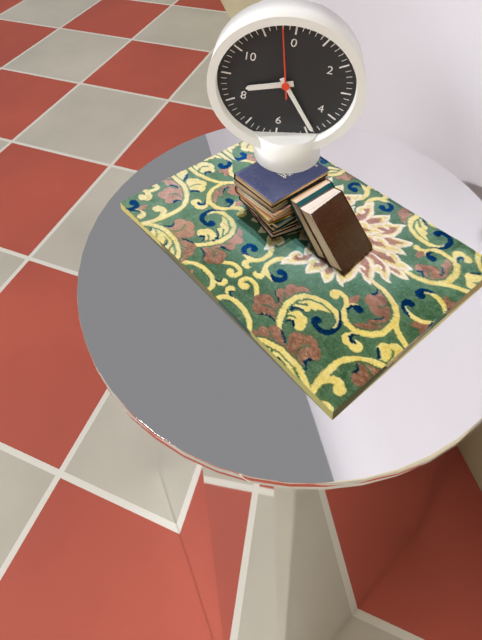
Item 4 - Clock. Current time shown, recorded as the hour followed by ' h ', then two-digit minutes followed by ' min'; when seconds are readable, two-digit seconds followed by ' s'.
8 h 24 min 58 s
